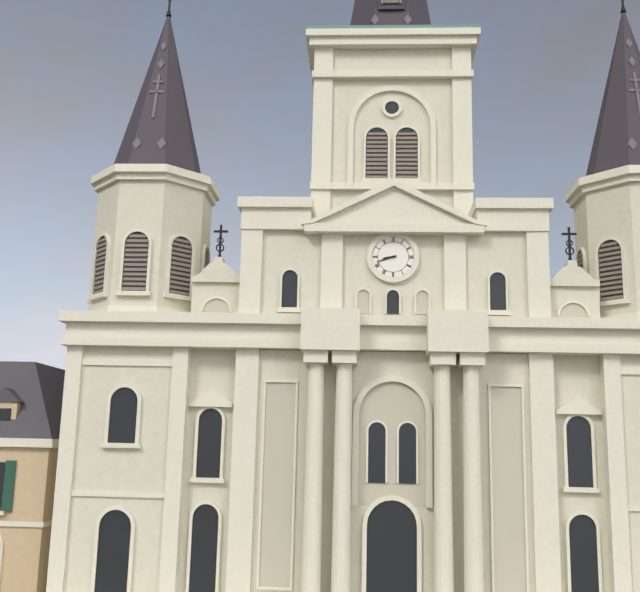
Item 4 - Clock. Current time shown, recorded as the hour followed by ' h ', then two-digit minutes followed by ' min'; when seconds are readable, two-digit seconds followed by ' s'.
8 h 42 min
